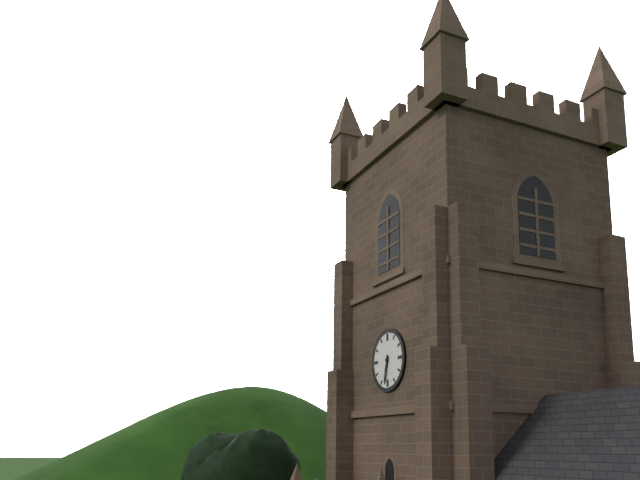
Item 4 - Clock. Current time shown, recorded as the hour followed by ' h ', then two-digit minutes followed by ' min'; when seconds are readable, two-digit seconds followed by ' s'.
6 h 32 min
